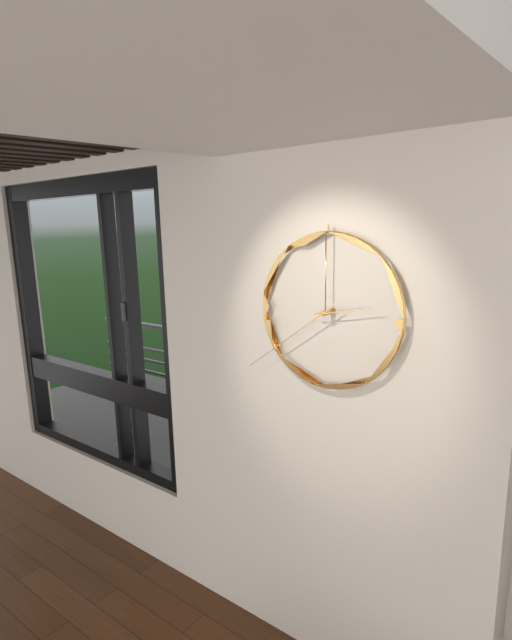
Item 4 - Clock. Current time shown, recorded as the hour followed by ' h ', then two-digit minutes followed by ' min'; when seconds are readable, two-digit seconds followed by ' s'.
2 h 39 min
